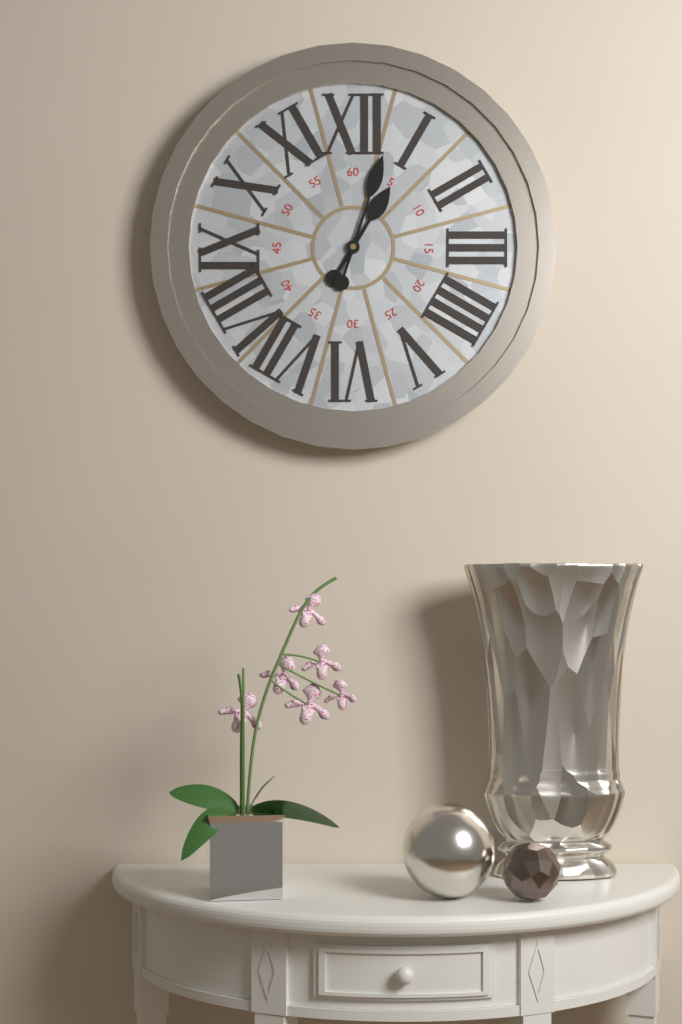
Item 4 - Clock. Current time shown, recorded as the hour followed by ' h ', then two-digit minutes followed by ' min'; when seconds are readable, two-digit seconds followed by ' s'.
1 h 03 min
